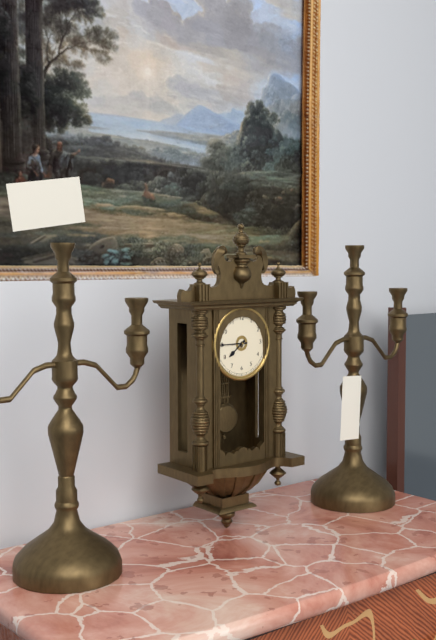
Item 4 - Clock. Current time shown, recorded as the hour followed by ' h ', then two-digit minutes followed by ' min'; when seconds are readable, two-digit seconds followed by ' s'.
7 h 45 min
